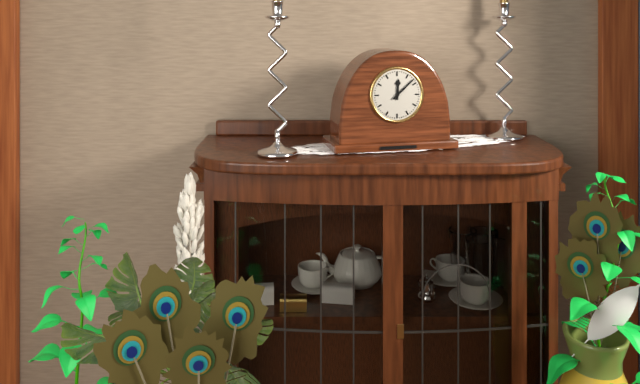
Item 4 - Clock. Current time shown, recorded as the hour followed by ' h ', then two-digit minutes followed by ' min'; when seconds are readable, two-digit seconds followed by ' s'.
12 h 08 min
